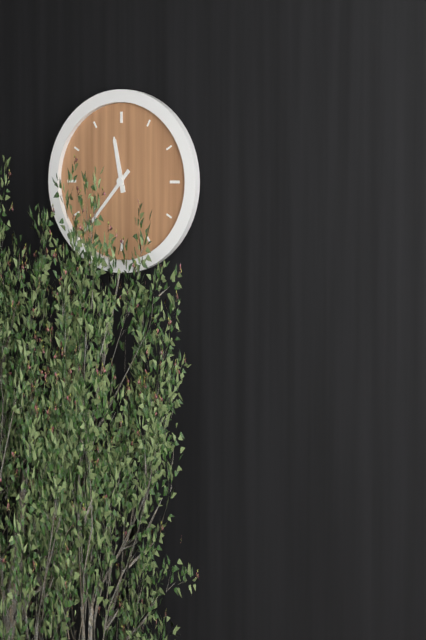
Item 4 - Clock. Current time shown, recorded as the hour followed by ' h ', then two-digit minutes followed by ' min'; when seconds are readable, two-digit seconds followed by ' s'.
11 h 37 min
